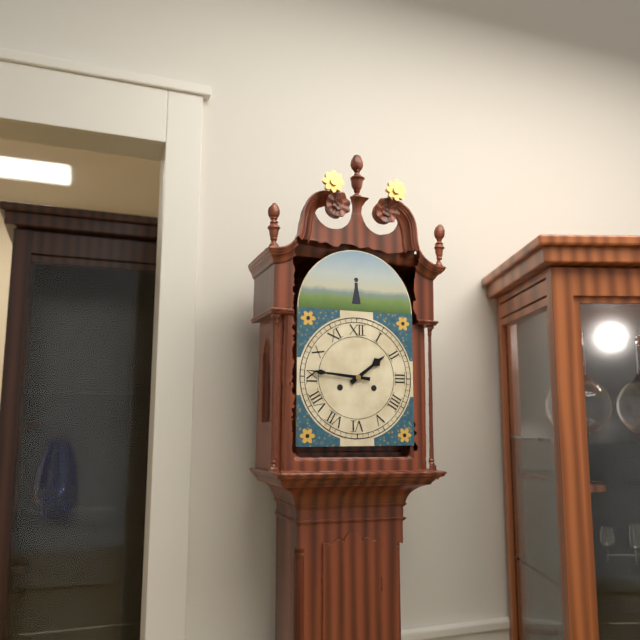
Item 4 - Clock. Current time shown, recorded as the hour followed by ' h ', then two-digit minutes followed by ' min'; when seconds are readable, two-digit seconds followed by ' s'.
1 h 46 min
